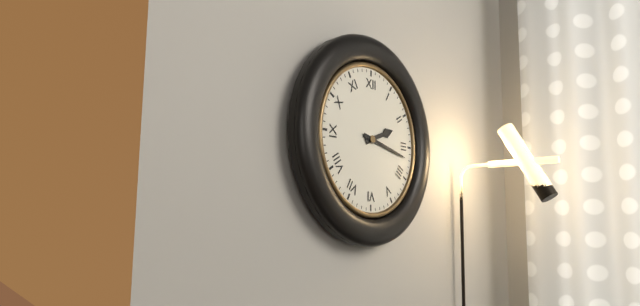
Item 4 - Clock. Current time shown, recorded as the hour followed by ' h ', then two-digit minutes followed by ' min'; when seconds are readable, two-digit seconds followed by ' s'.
2 h 17 min
